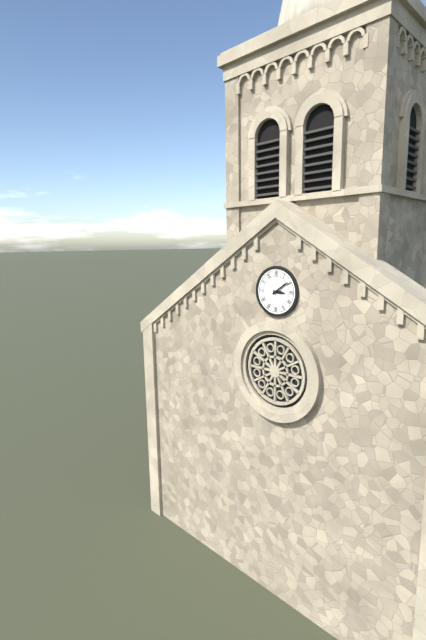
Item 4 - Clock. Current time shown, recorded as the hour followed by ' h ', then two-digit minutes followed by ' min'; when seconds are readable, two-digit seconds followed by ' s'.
3 h 09 min
